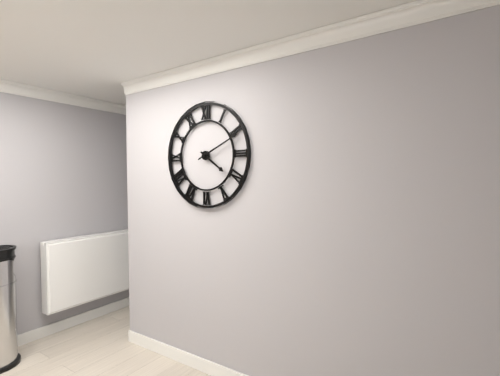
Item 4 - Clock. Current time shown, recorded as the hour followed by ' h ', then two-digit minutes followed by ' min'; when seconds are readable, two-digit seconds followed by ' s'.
4 h 11 min
